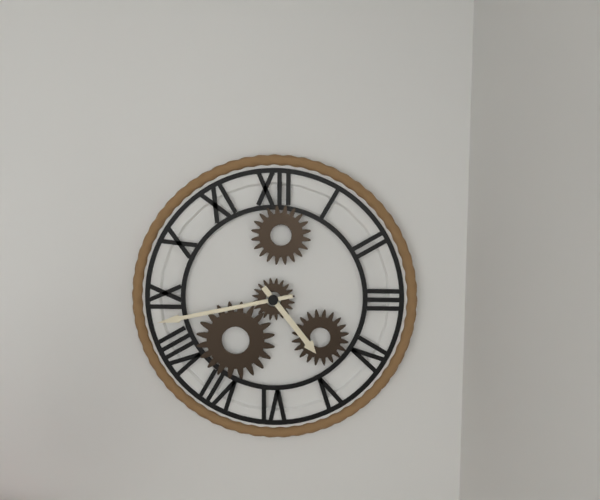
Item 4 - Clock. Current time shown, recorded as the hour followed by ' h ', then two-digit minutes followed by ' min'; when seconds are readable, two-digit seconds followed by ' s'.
4 h 43 min
